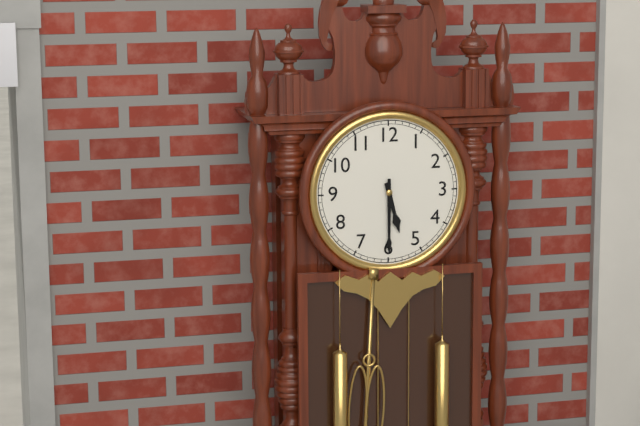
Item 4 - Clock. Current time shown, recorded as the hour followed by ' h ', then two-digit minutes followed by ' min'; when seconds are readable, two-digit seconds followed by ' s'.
5 h 30 min
